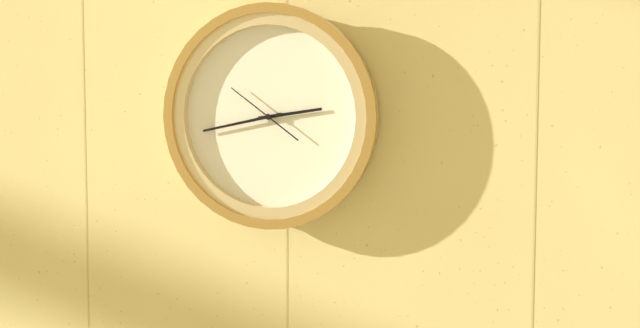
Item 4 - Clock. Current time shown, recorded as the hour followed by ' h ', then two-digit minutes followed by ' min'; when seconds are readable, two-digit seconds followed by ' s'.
2 h 43 min 51 s
